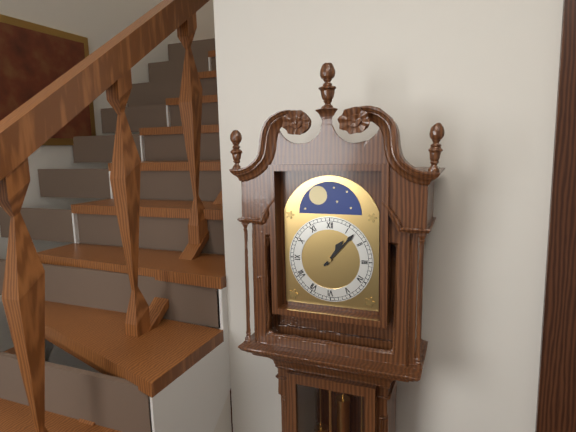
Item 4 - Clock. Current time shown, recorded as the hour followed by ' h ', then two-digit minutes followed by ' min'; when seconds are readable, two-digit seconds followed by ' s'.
1 h 07 min
